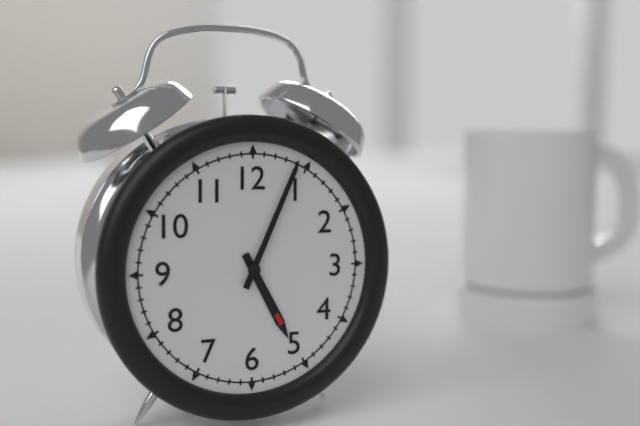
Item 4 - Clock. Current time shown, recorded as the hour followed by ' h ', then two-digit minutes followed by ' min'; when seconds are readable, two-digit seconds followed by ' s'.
5 h 04 min
